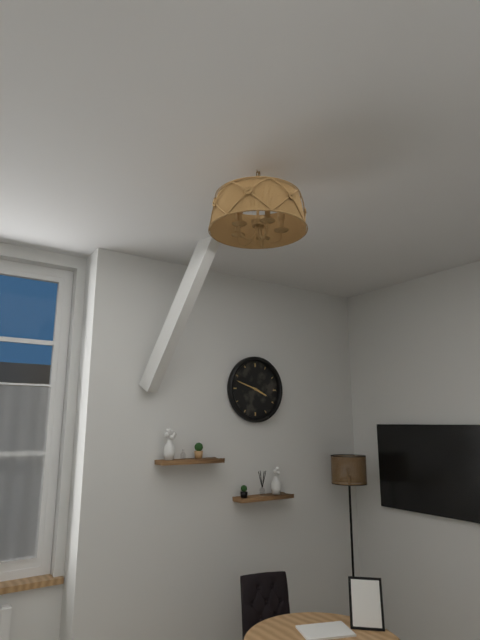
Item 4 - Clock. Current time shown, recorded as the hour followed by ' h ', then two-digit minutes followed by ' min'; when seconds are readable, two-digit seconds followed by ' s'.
3 h 48 min
